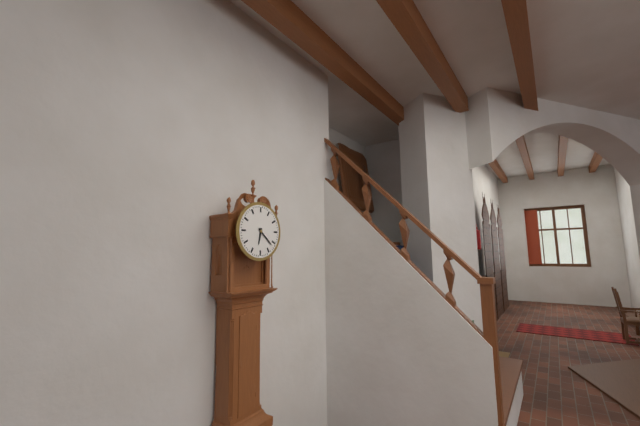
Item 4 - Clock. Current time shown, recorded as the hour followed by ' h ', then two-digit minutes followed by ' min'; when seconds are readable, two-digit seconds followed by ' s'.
6 h 22 min
